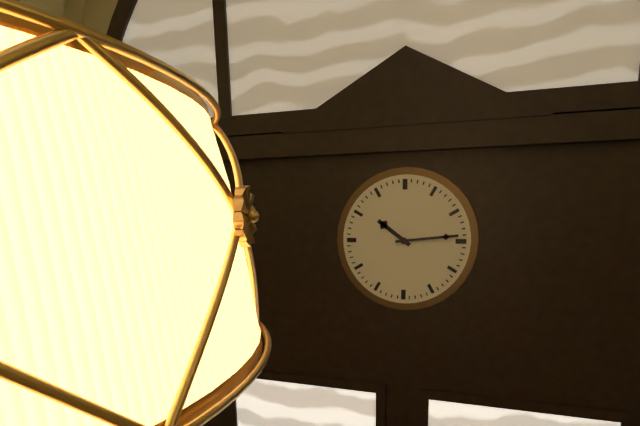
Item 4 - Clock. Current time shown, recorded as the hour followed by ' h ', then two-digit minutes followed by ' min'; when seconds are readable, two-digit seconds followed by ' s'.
10 h 14 min
